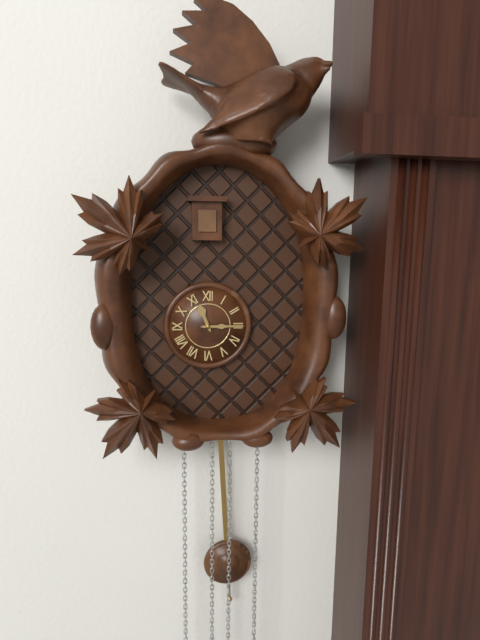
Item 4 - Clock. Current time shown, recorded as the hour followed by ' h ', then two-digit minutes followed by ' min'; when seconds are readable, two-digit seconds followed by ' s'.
11 h 15 min
